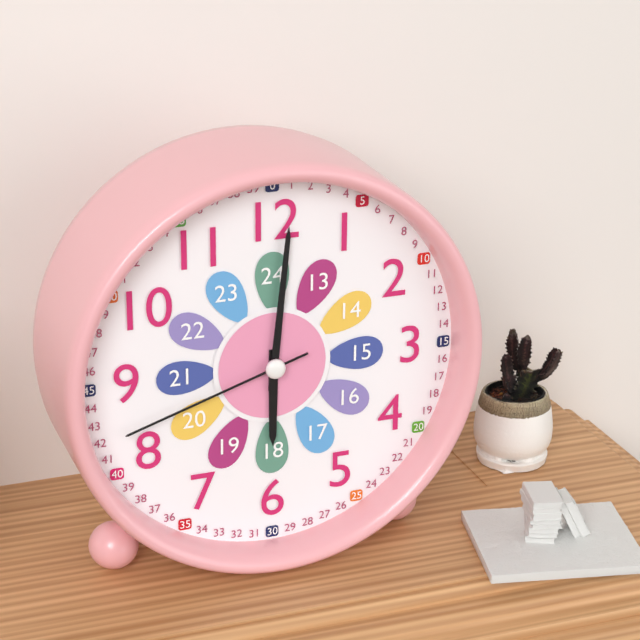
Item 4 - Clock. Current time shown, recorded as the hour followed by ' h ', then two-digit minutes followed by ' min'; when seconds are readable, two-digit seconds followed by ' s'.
6 h 01 min 42 s
